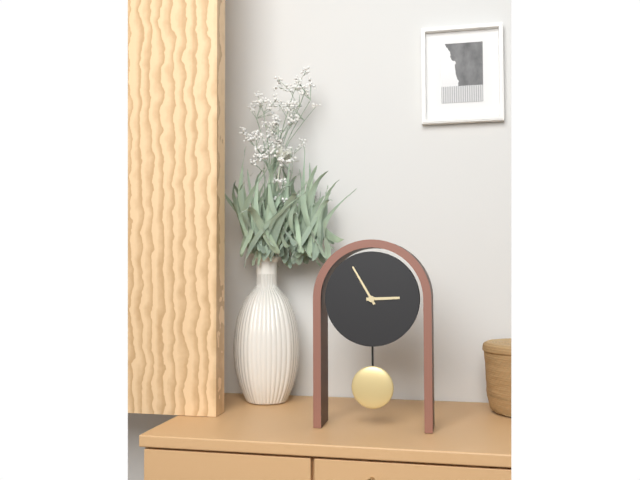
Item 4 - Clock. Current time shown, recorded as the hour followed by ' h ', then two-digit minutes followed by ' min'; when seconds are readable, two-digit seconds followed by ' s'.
2 h 55 min
